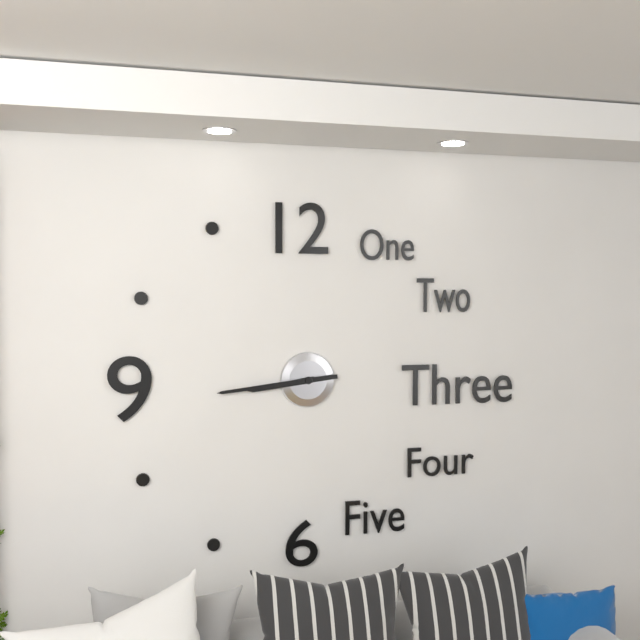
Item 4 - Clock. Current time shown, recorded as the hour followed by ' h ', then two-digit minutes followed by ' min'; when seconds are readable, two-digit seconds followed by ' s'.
8 h 44 min
